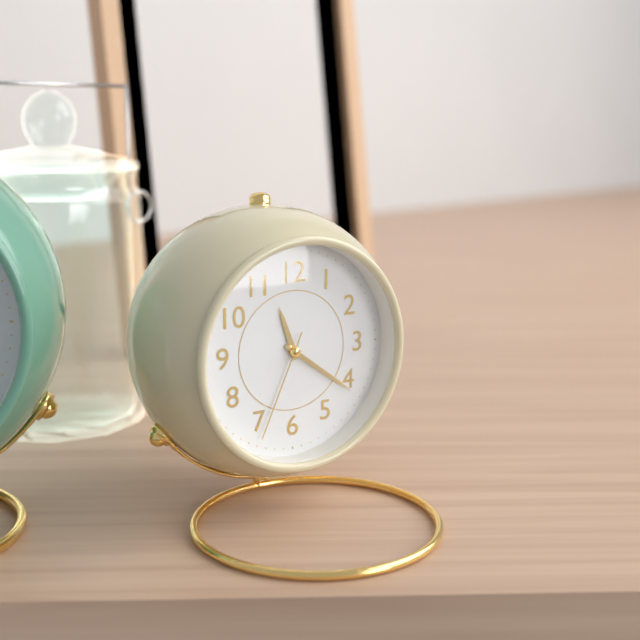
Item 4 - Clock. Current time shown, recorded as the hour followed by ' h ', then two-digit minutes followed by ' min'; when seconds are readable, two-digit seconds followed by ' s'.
11 h 21 min 34 s
